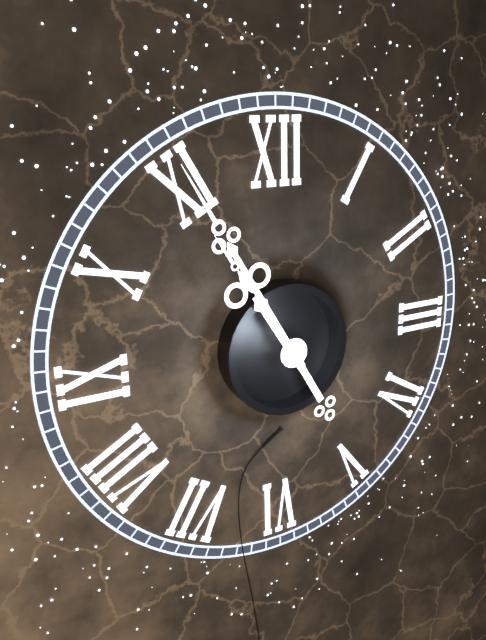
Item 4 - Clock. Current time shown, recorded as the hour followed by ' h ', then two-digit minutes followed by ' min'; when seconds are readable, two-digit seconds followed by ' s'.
10 h 55 min
